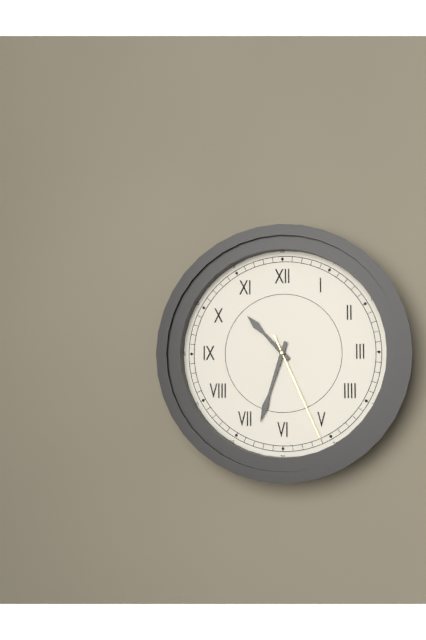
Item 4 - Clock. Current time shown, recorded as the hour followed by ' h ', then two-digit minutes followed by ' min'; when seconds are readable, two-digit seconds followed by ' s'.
10 h 33 min 26 s
